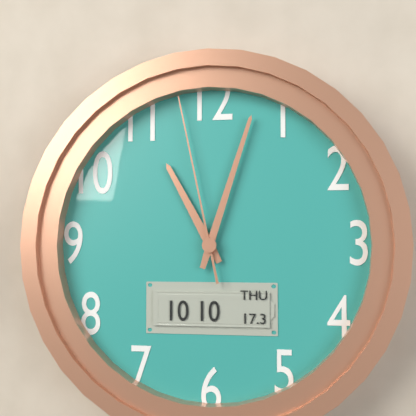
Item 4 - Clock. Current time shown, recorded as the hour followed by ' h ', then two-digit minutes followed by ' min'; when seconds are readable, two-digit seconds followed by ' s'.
11 h 03 min 58 s
